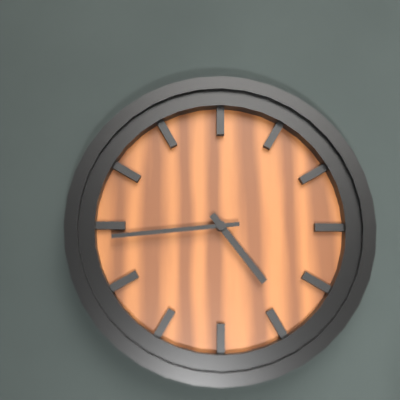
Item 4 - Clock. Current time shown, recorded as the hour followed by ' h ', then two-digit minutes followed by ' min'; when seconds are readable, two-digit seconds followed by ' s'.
4 h 44 min
